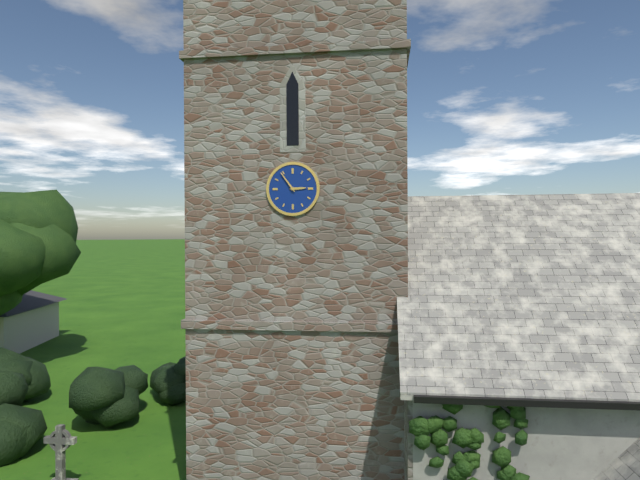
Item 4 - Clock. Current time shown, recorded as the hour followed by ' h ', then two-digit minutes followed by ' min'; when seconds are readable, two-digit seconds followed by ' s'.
2 h 54 min
